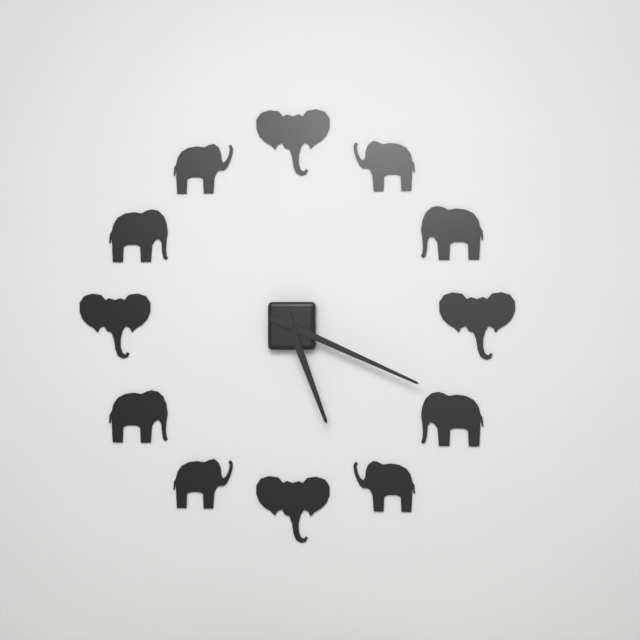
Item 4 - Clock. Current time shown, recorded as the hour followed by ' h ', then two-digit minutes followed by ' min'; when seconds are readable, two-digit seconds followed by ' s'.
5 h 19 min
